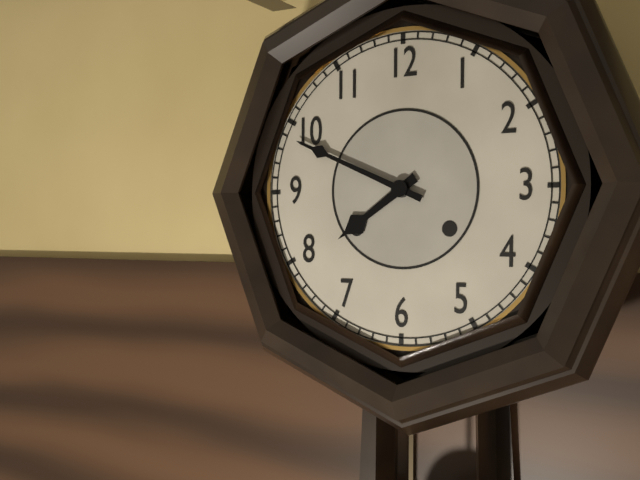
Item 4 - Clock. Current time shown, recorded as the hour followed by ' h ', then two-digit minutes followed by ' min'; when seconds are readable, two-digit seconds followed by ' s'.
7 h 49 min
